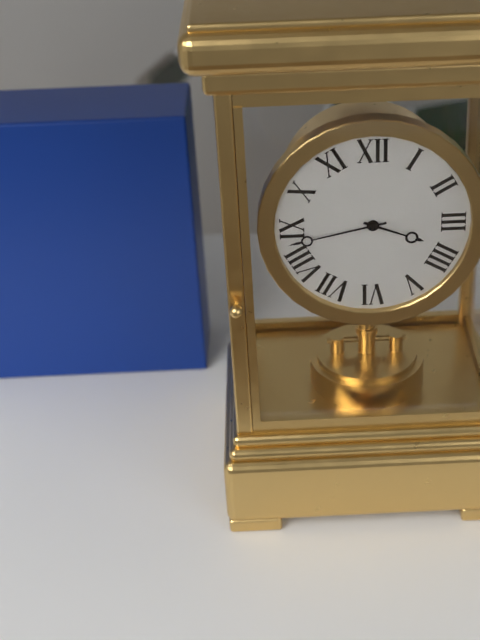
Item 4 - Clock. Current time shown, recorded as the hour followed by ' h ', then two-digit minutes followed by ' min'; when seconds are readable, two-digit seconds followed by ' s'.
3 h 43 min
